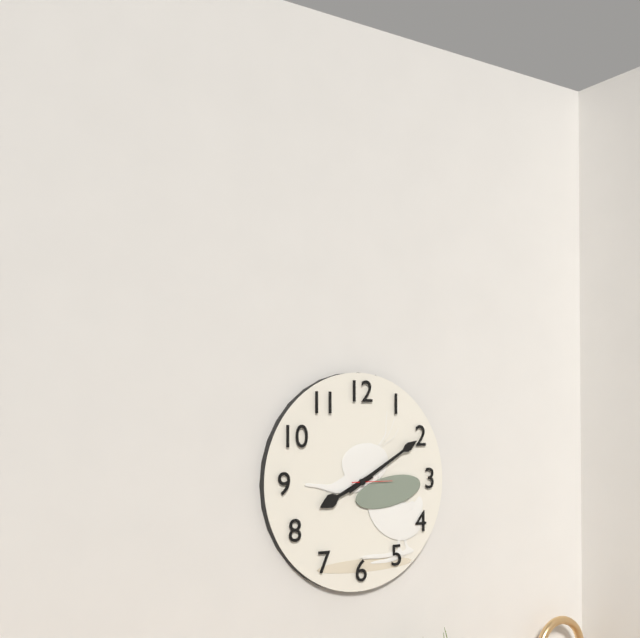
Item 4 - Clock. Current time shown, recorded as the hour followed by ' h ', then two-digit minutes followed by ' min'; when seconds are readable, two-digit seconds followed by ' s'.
8 h 10 min
